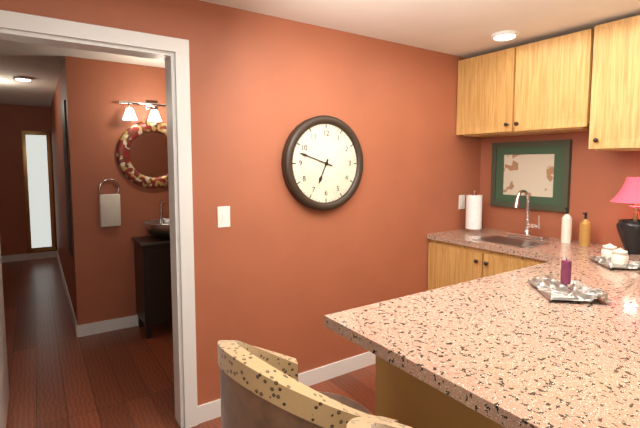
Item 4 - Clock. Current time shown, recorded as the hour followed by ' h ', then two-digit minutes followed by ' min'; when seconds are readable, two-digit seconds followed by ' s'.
6 h 48 min
